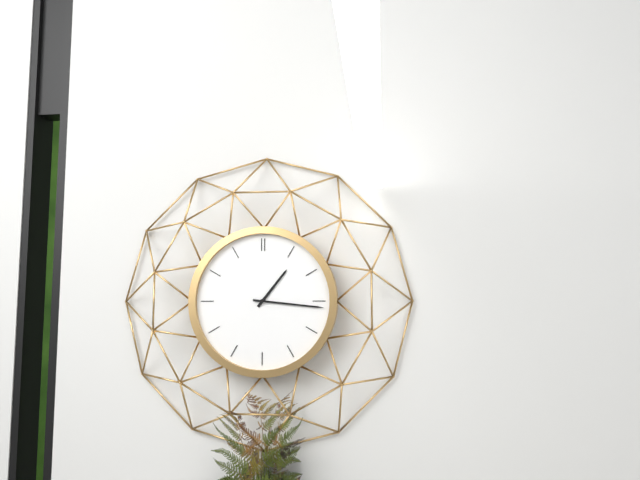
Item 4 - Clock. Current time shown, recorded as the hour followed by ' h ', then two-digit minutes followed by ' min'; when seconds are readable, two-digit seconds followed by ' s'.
1 h 16 min
